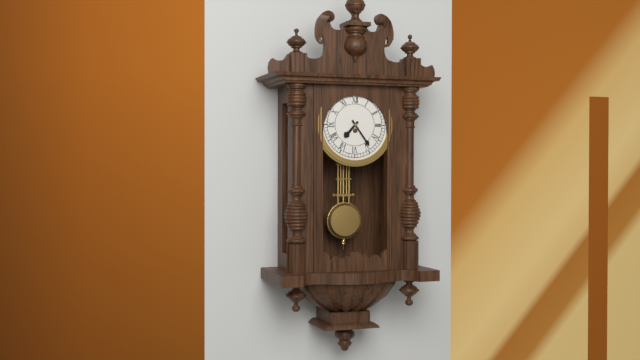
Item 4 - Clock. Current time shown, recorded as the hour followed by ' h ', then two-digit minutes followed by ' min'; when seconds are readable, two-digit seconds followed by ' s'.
7 h 24 min
